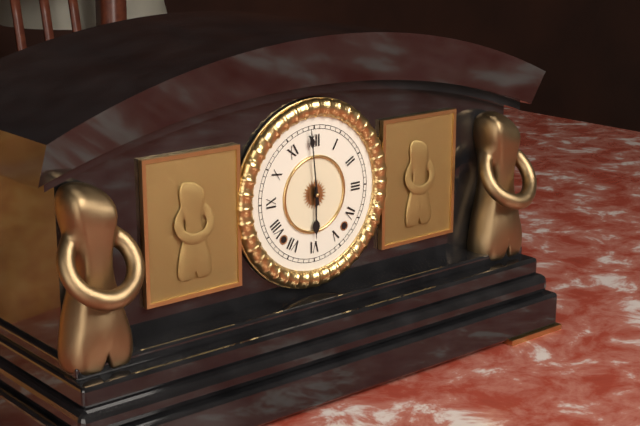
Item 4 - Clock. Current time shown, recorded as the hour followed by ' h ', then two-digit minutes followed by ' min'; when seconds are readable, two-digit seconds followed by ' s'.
5 h 59 min
